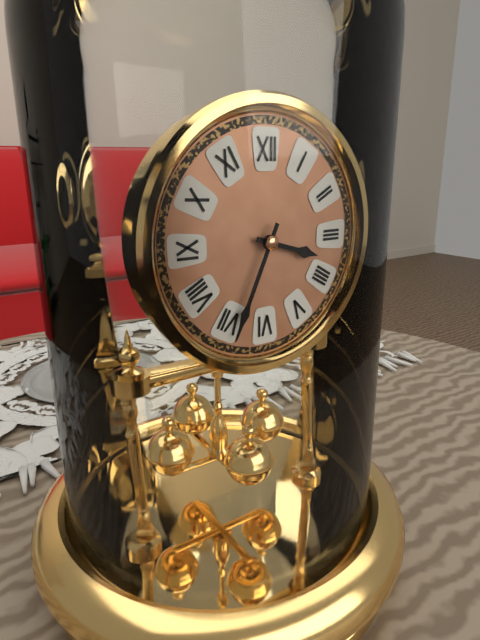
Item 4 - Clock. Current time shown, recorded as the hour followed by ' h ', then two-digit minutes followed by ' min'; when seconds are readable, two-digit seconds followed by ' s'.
3 h 34 min
